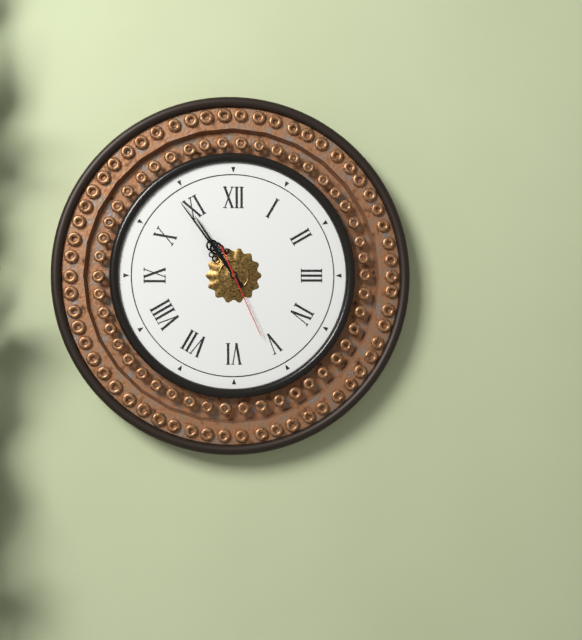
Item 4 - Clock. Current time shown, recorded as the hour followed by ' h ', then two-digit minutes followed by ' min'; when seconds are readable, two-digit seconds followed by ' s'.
10 h 54 min 26 s
